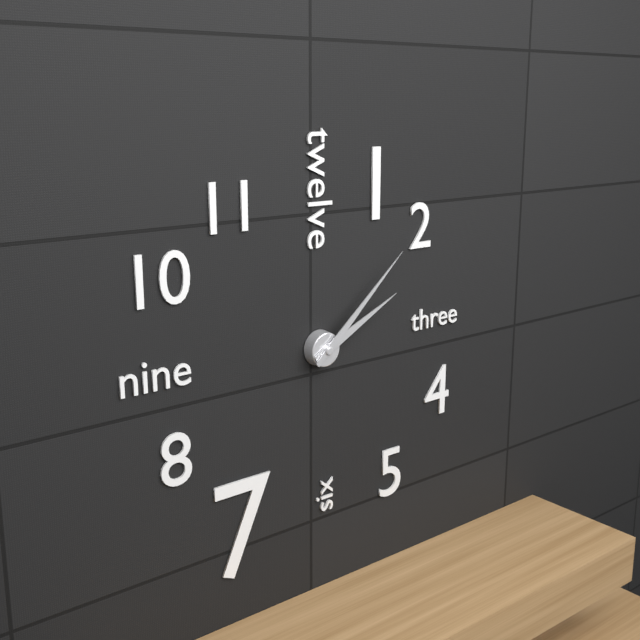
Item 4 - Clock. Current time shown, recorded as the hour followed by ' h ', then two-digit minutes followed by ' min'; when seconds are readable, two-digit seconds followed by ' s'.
2 h 08 min
